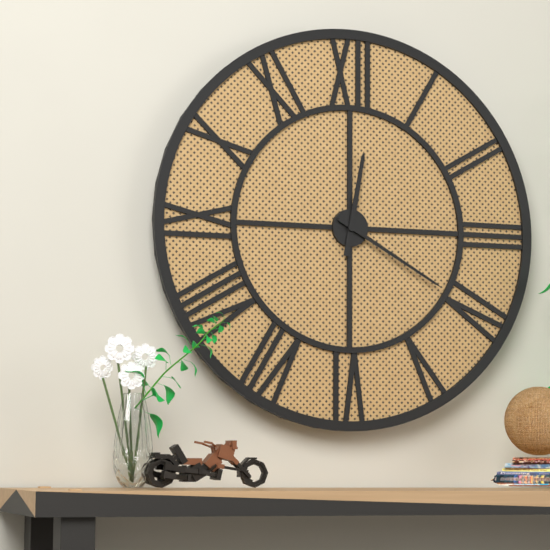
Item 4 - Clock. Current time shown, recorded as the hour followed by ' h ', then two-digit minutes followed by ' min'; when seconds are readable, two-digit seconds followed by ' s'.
12 h 20 min
